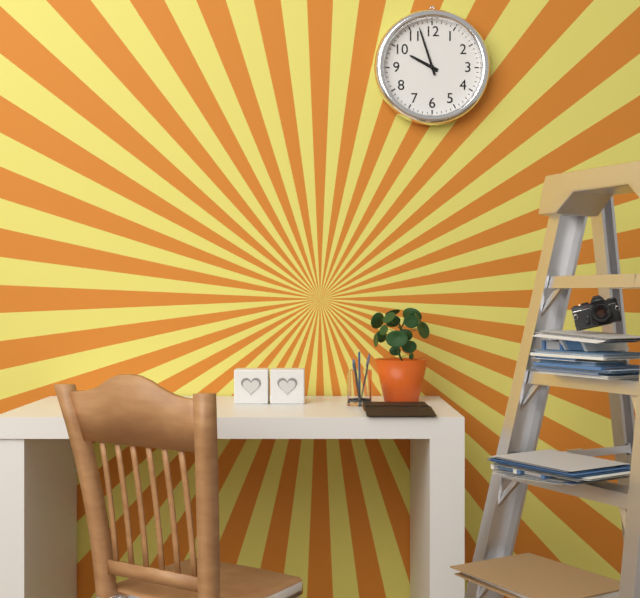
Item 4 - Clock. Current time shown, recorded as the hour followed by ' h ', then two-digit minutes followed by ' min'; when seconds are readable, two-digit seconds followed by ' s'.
9 h 57 min
